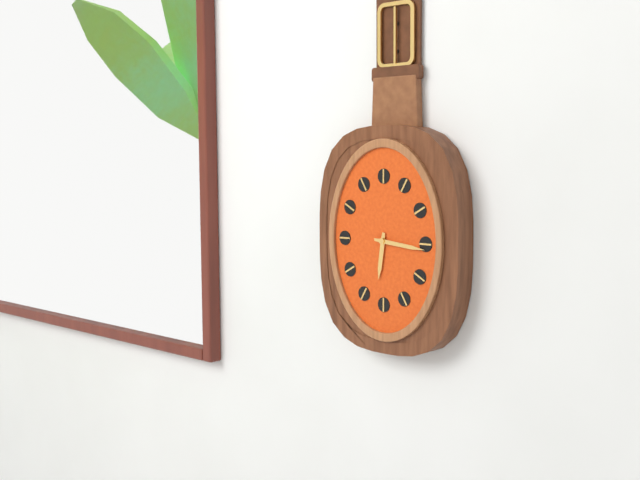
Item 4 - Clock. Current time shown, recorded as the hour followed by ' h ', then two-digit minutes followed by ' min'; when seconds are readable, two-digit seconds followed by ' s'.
6 h 16 min
